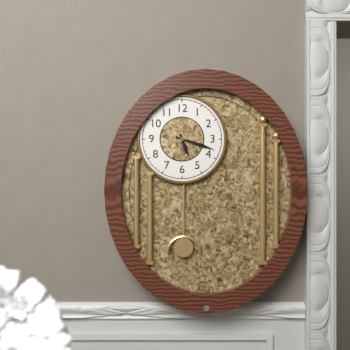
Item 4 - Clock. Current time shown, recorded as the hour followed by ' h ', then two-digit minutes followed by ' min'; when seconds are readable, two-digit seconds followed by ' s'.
5 h 18 min
